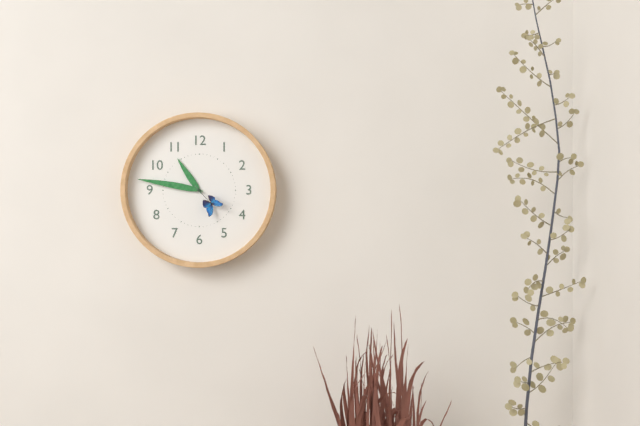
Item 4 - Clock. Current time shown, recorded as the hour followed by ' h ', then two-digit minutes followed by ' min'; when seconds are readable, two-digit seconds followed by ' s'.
10 h 47 min
